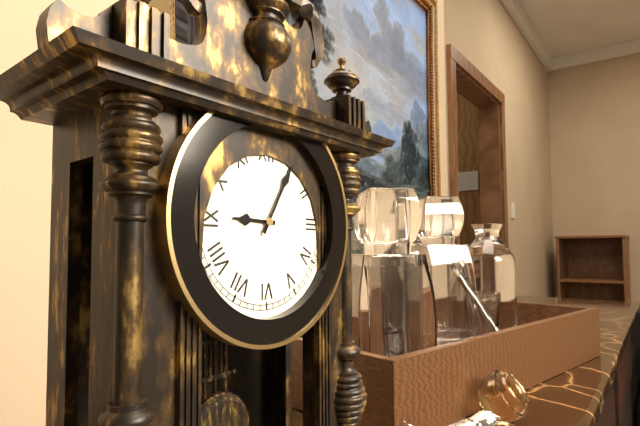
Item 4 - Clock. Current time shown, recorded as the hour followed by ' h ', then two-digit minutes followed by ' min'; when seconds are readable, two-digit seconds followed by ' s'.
9 h 05 min
